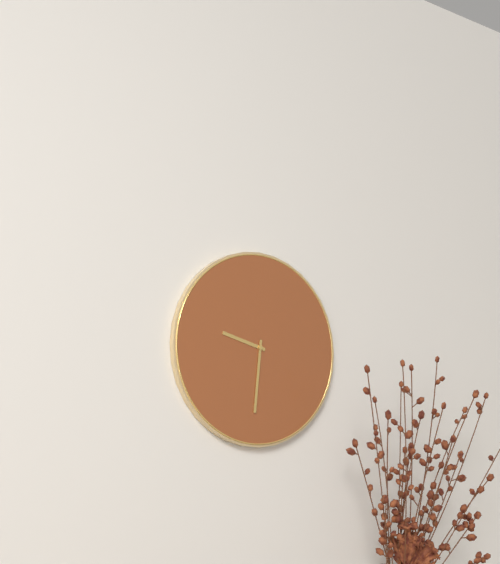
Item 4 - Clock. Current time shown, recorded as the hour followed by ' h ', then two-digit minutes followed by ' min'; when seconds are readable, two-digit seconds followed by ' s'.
9 h 31 min
